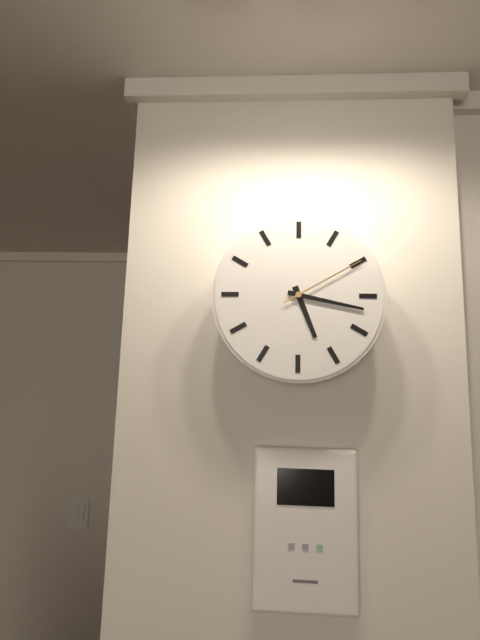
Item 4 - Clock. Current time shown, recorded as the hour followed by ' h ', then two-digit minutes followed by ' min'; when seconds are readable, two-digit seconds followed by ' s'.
5 h 17 min 10 s
